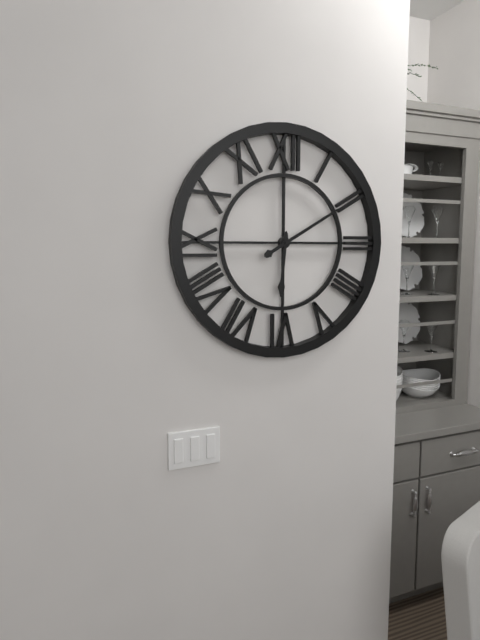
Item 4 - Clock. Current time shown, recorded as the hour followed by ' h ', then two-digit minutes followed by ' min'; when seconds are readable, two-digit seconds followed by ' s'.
6 h 10 min
